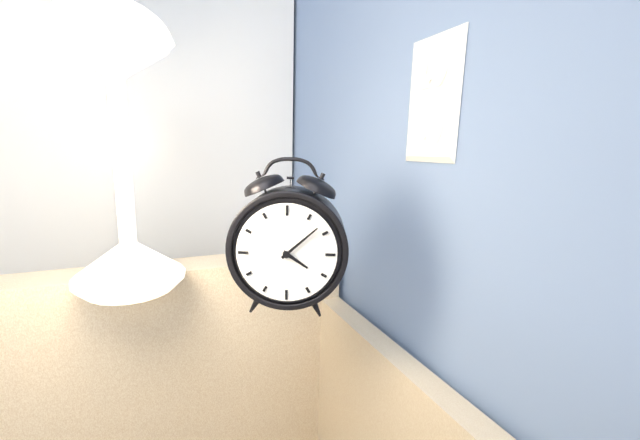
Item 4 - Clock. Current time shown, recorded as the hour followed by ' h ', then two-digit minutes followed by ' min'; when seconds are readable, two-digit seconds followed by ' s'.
4 h 08 min
